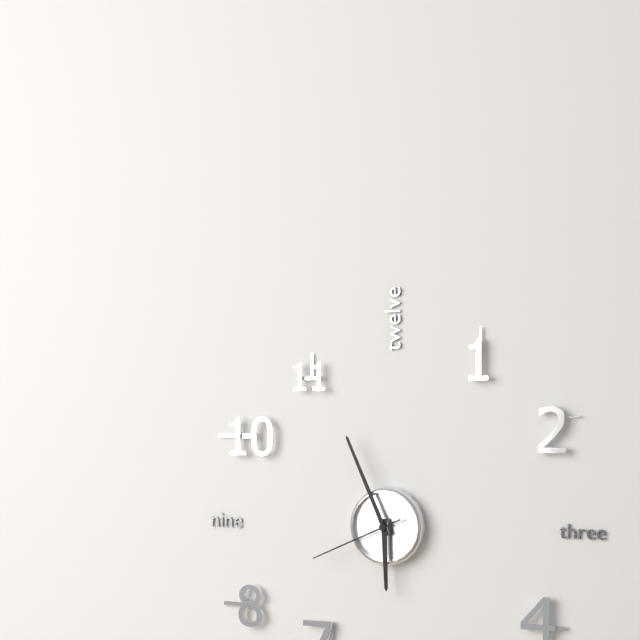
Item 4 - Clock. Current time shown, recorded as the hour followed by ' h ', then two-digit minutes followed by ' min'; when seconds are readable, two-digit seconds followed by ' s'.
5 h 56 min 41 s
